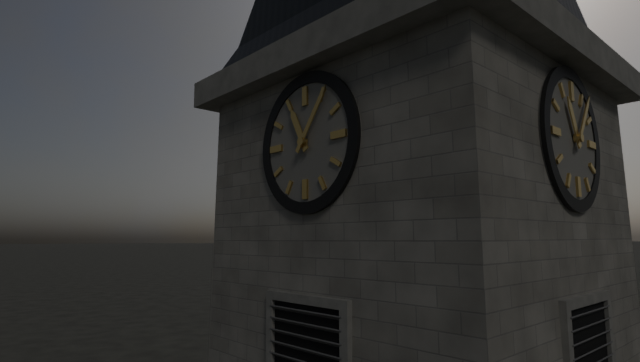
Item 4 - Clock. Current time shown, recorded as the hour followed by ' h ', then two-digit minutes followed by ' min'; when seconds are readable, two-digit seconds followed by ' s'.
11 h 06 min
